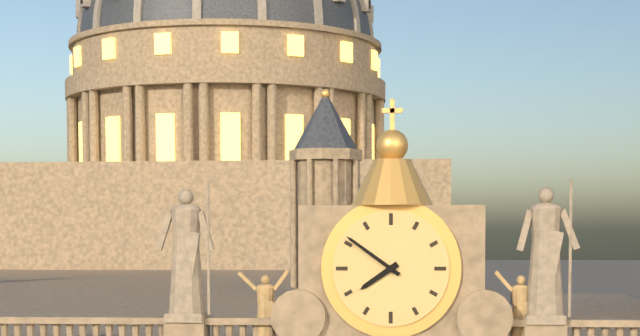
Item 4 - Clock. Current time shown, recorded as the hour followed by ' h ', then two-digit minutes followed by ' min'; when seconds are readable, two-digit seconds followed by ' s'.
7 h 51 min
